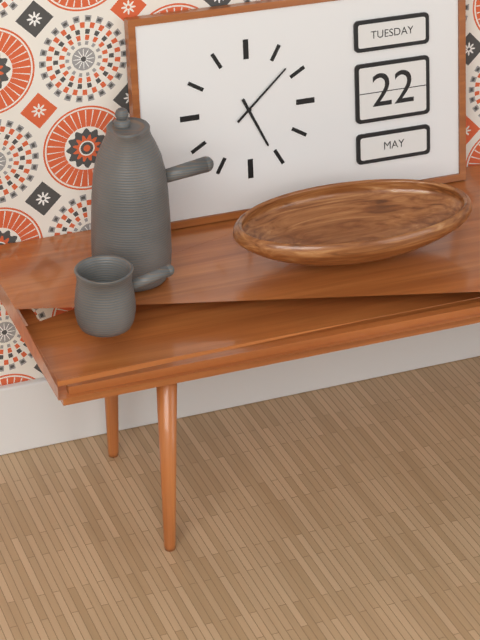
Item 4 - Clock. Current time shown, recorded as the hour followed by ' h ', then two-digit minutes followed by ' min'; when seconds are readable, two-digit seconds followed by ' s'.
5 h 08 min
